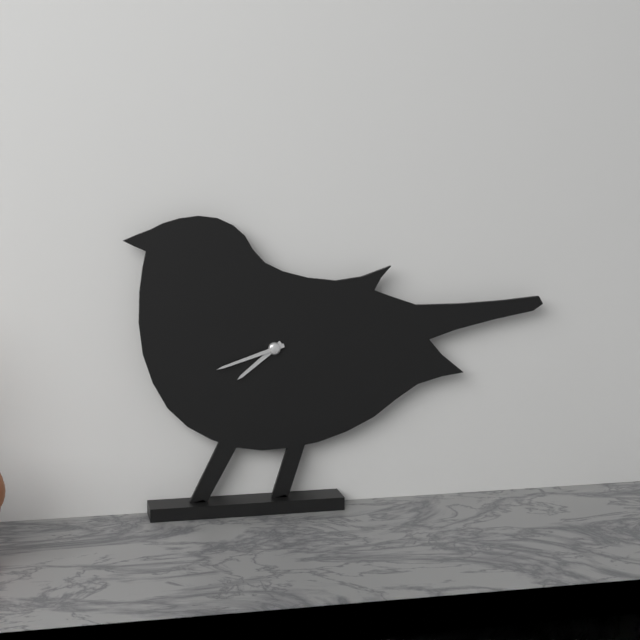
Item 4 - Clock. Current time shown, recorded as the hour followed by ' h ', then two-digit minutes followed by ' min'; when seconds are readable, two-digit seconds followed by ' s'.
7 h 42 min
